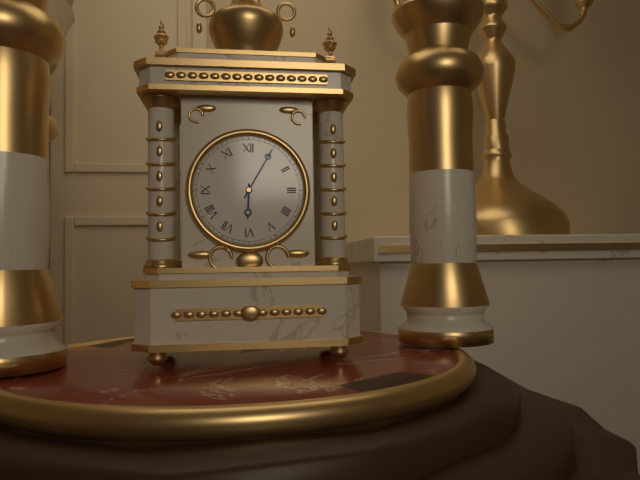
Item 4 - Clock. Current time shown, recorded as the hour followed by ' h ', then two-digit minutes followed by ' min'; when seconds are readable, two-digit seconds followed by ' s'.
6 h 05 min
